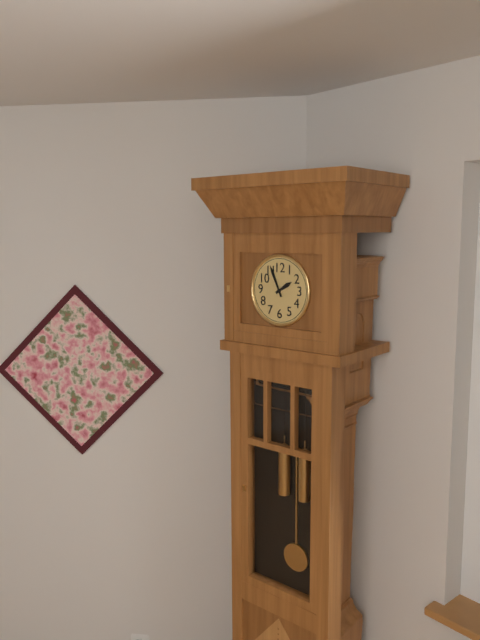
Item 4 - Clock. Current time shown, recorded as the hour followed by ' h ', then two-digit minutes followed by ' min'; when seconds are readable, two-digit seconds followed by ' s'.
1 h 56 min
